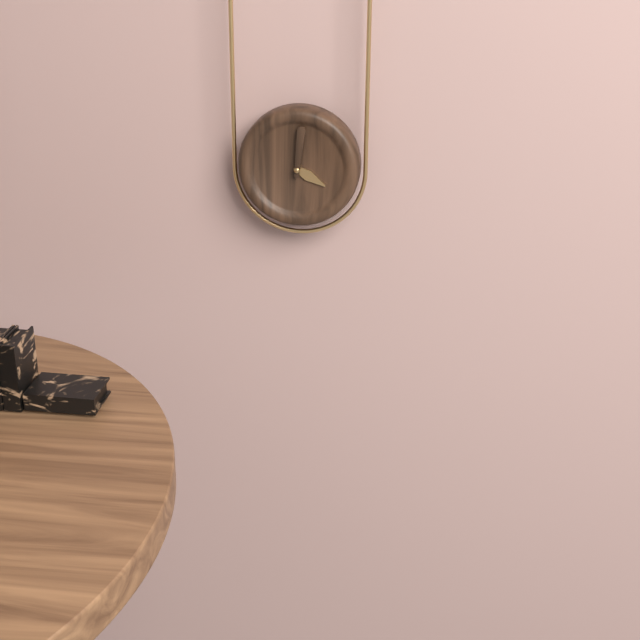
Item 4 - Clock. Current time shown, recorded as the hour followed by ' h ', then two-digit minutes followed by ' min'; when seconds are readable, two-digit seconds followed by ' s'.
4 h 01 min
